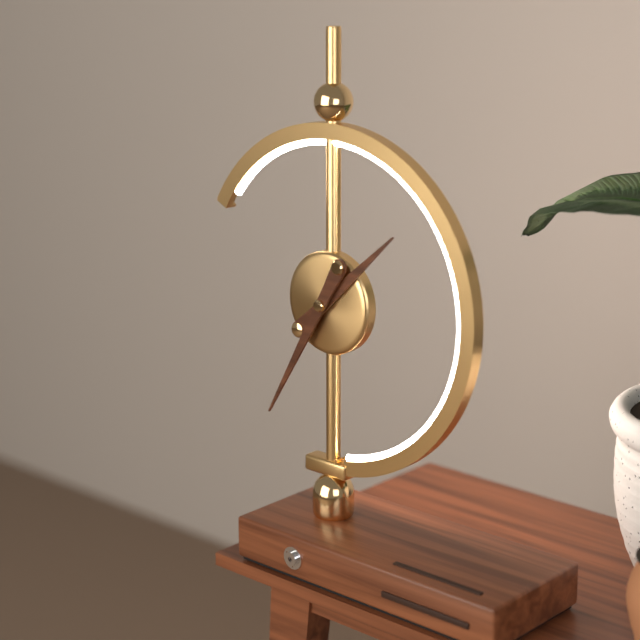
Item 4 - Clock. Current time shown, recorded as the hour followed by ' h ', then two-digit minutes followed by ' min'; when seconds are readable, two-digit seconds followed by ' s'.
1 h 35 min
